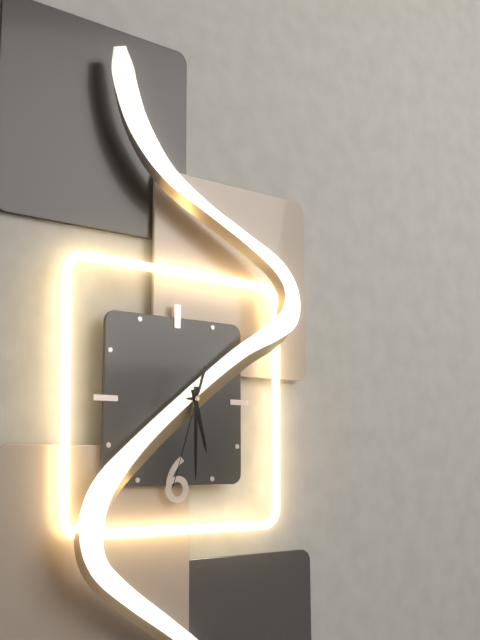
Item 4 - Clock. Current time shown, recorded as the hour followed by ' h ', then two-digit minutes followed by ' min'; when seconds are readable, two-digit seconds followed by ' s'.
5 h 30 min 33 s
